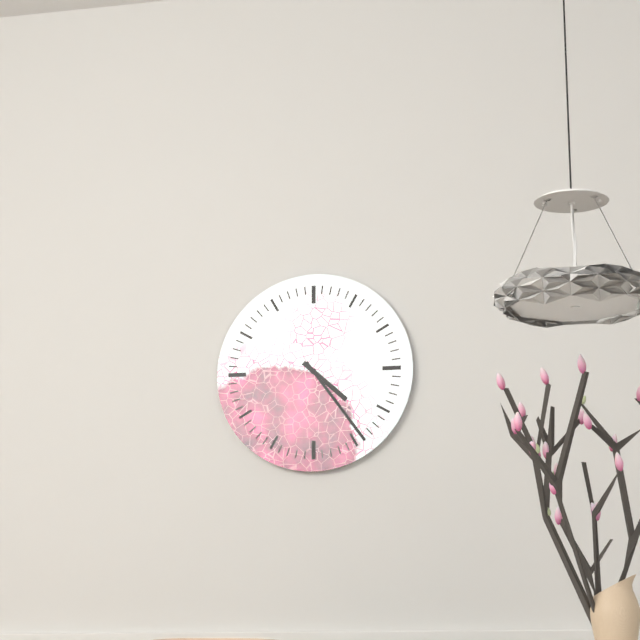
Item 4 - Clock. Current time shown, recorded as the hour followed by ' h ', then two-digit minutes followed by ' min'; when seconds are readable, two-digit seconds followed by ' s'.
4 h 24 min
